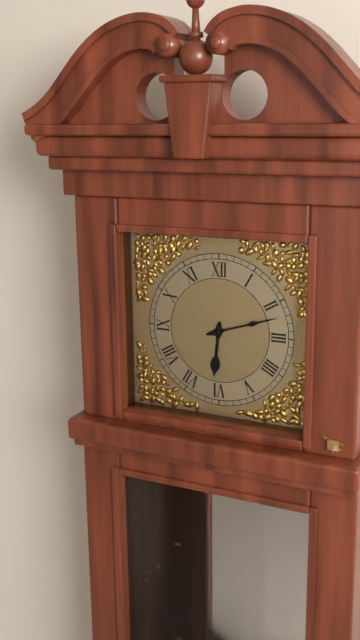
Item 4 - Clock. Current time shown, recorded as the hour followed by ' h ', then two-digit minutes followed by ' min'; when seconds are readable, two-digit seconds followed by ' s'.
6 h 12 min
